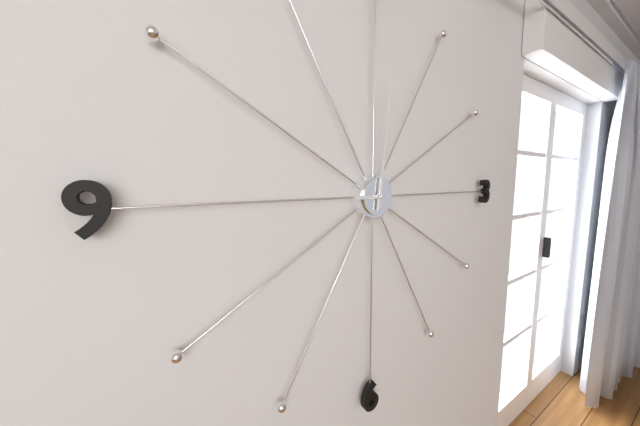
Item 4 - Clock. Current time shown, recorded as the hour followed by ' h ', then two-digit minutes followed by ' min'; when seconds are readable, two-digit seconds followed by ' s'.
9 h 01 min
